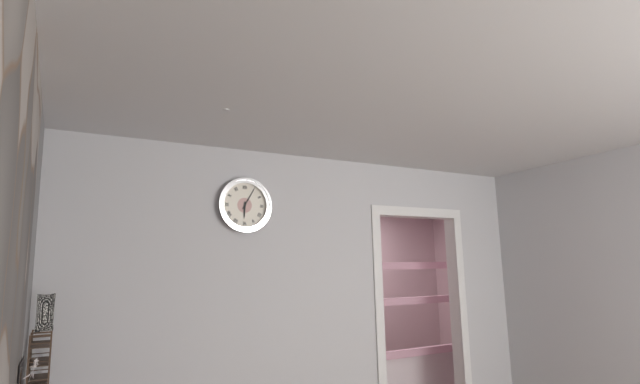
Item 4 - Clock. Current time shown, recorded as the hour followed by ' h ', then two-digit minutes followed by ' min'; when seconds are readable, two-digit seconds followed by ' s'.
6 h 05 min
